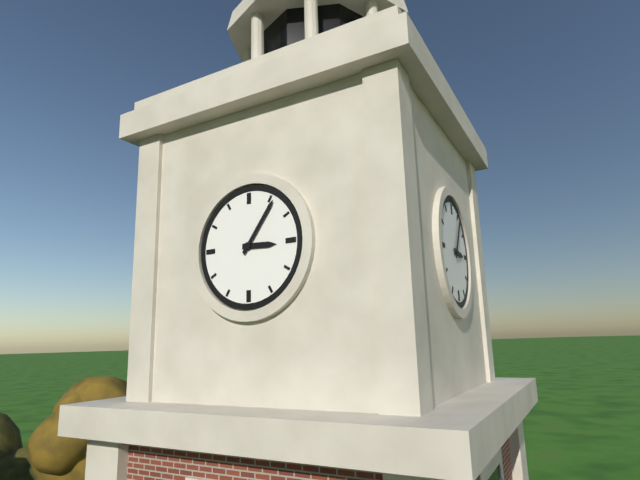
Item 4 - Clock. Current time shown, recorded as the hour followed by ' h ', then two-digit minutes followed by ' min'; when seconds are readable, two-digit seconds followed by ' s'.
3 h 06 min
